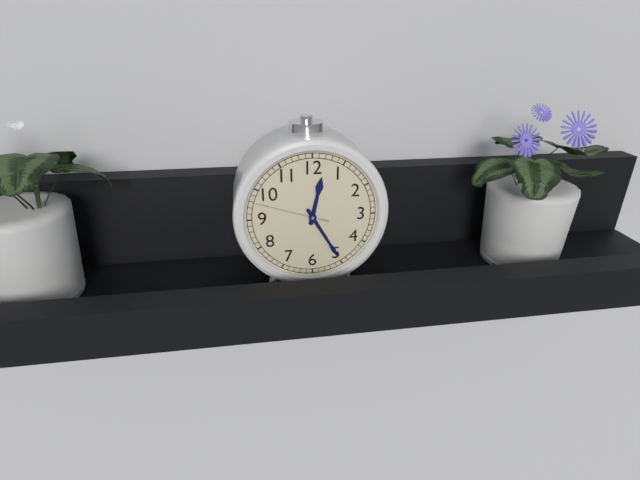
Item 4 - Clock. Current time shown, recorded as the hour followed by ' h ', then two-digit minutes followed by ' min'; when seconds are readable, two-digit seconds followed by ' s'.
12 h 25 min 48 s
